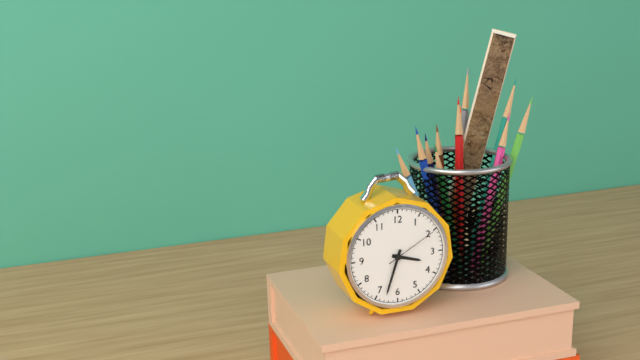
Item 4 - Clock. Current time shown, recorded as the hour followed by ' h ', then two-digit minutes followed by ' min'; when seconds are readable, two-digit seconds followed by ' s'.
3 h 33 min 10 s
